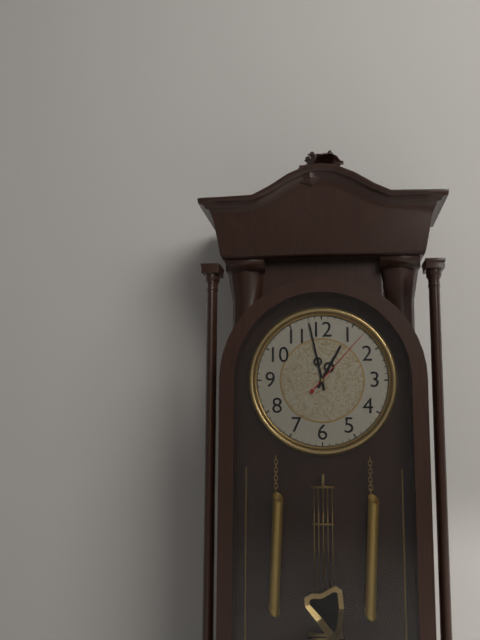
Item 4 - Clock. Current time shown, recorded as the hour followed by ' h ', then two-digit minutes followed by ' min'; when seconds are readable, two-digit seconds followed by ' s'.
12 h 58 min 07 s
